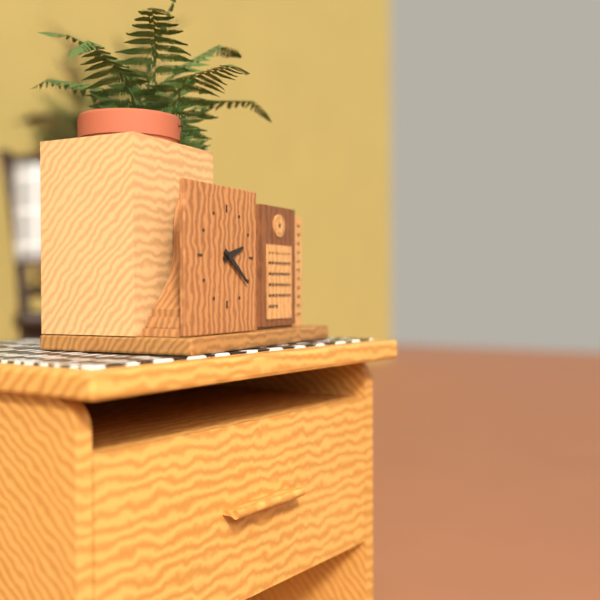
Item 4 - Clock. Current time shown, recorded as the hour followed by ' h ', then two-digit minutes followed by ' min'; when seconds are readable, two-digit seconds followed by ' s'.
2 h 21 min
